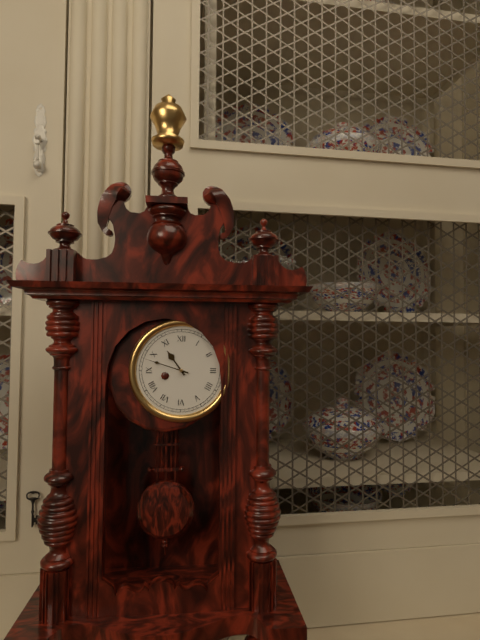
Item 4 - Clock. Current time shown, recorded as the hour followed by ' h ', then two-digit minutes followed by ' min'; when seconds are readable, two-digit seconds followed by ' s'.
10 h 48 min
